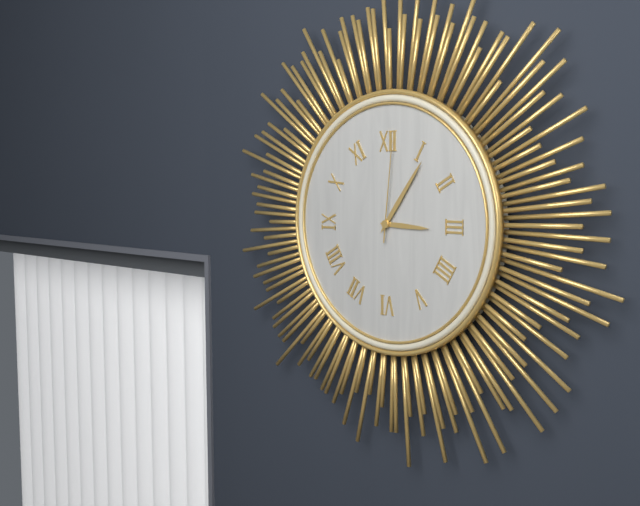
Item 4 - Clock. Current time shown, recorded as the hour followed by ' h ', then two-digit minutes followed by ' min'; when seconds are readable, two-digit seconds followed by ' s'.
3 h 06 min 01 s
